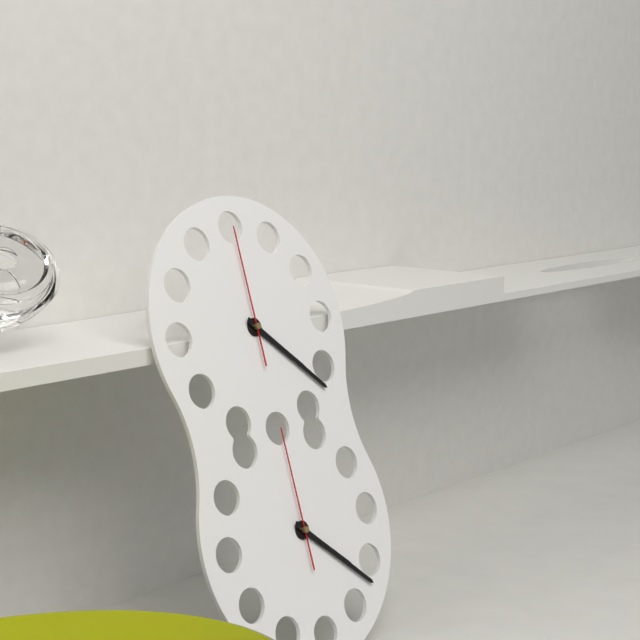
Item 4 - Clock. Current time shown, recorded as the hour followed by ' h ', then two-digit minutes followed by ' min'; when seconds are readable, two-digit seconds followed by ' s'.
4 h 22 min 00 s
